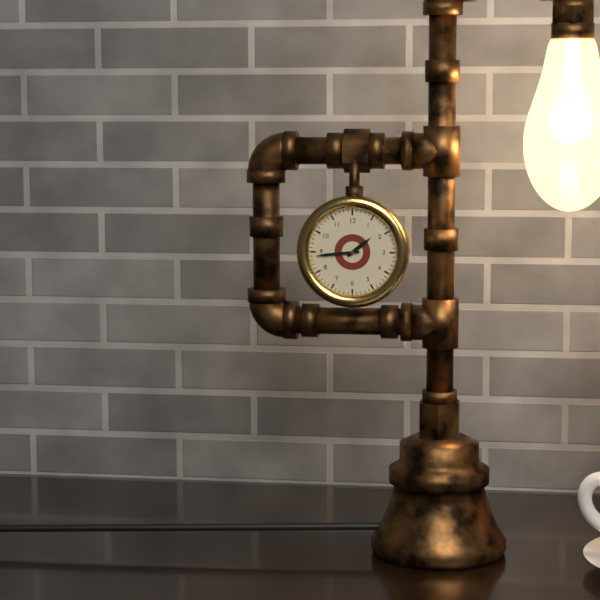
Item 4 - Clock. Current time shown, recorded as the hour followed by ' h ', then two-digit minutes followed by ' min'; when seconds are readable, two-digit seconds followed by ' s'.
1 h 44 min
